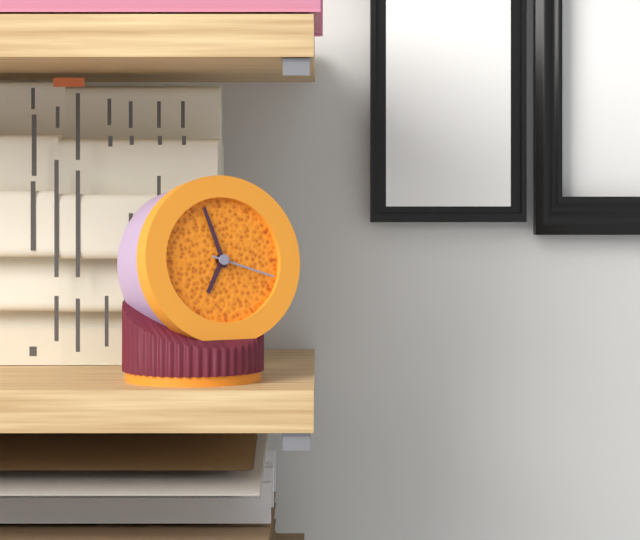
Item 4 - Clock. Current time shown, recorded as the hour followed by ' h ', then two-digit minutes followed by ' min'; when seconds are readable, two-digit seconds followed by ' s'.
6 h 57 min 18 s
